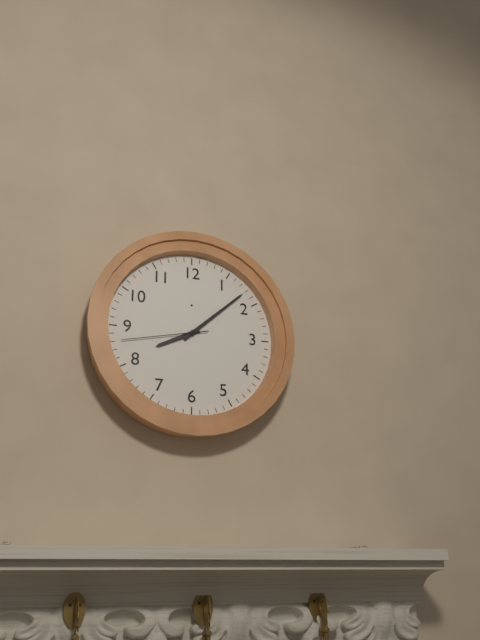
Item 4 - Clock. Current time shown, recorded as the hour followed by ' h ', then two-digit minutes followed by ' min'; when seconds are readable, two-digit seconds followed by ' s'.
8 h 08 min 43 s
